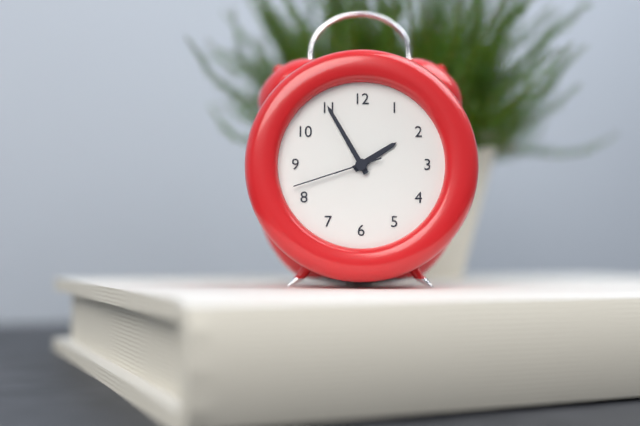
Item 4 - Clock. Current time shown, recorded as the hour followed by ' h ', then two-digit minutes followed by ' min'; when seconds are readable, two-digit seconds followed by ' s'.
1 h 55 min 42 s
